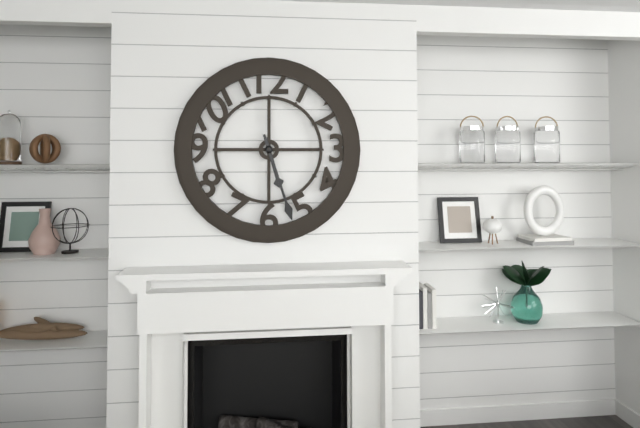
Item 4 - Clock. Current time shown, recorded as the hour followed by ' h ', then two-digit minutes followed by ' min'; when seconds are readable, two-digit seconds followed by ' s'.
5 h 27 min
